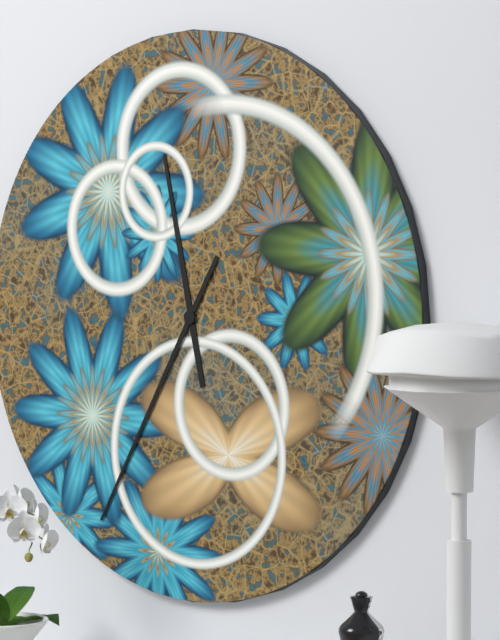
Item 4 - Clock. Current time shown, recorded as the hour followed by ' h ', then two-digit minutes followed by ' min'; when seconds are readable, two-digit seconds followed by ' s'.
11 h 35 min
